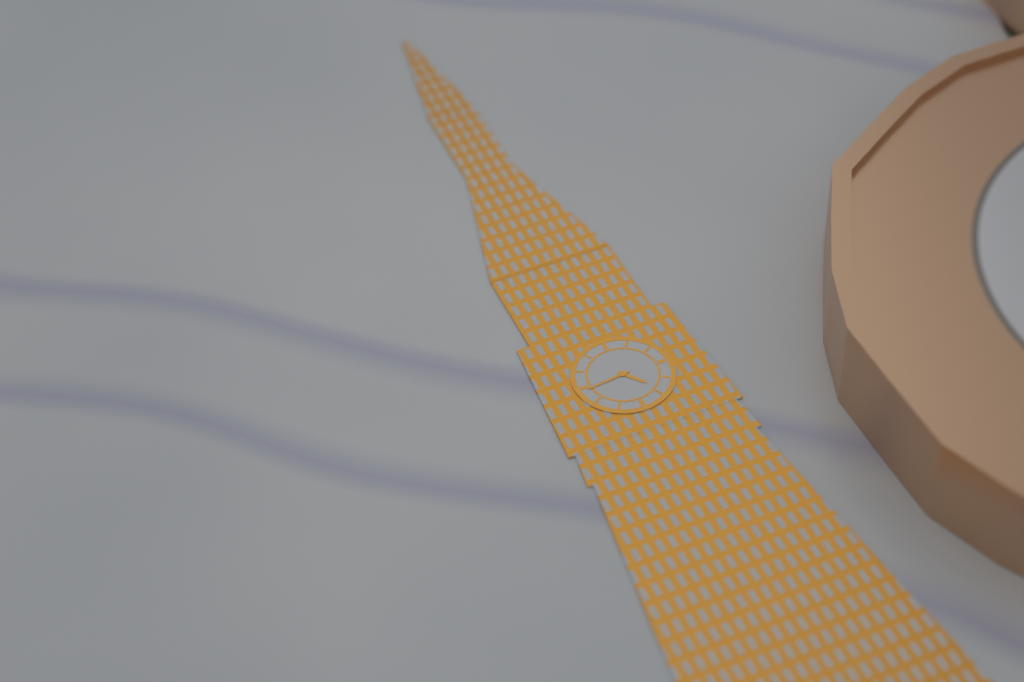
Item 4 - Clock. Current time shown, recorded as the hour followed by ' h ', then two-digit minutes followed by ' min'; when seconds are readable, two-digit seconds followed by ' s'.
4 h 44 min
